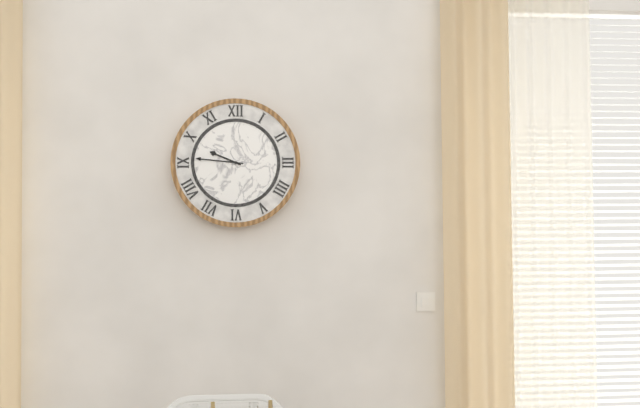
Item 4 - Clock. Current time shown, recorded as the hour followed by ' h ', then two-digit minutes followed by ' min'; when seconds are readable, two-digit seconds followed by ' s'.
9 h 46 min
